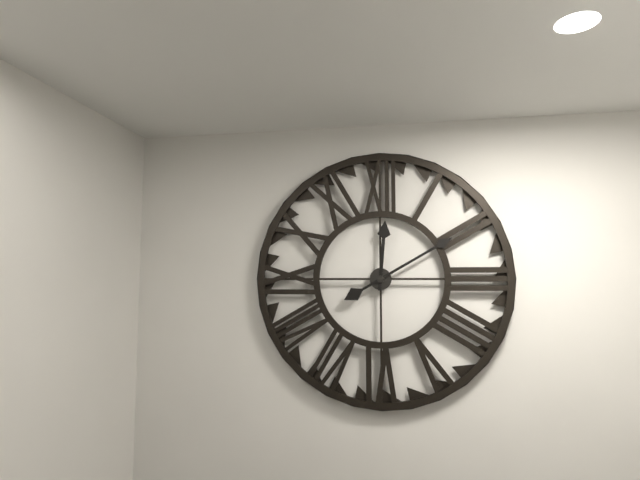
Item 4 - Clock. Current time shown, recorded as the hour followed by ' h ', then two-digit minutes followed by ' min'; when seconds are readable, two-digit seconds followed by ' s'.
12 h 10 min
